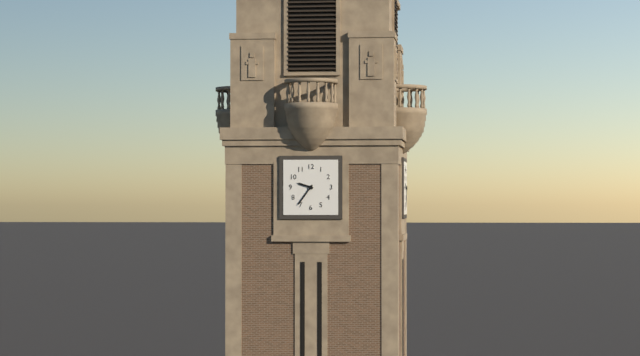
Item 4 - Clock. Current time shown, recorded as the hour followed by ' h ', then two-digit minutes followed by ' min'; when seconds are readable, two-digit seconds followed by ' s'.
9 h 36 min
